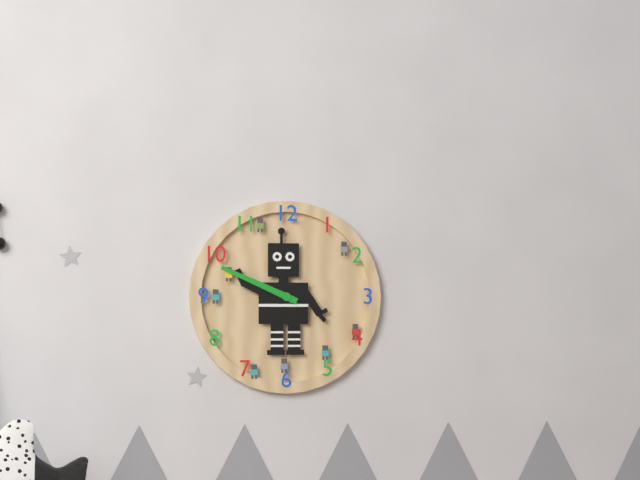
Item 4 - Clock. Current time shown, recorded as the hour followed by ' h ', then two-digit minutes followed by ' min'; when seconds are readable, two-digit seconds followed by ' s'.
9 h 49 min
